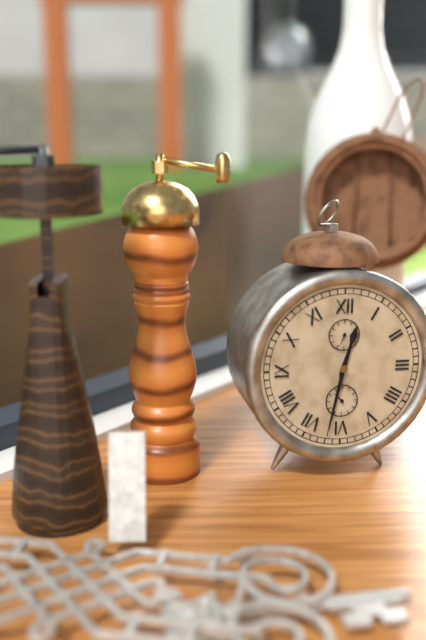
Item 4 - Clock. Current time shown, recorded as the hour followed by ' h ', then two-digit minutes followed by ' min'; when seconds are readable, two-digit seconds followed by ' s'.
12 h 32 min
